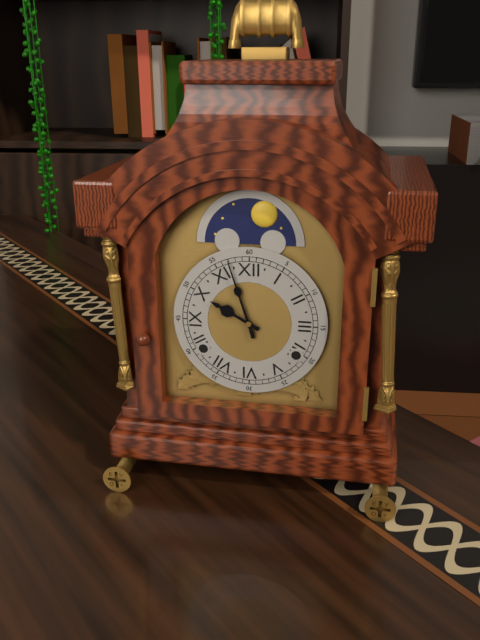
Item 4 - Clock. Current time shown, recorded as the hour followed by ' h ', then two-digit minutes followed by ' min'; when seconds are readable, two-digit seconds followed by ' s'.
9 h 57 min
